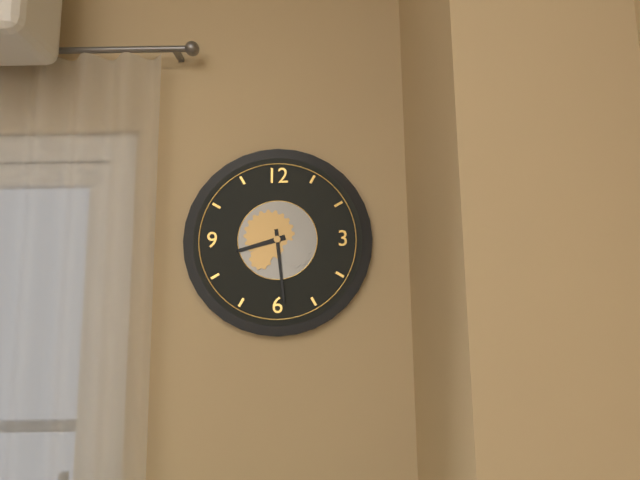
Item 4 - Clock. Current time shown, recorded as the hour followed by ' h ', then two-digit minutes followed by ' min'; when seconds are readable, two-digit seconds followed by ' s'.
8 h 29 min
